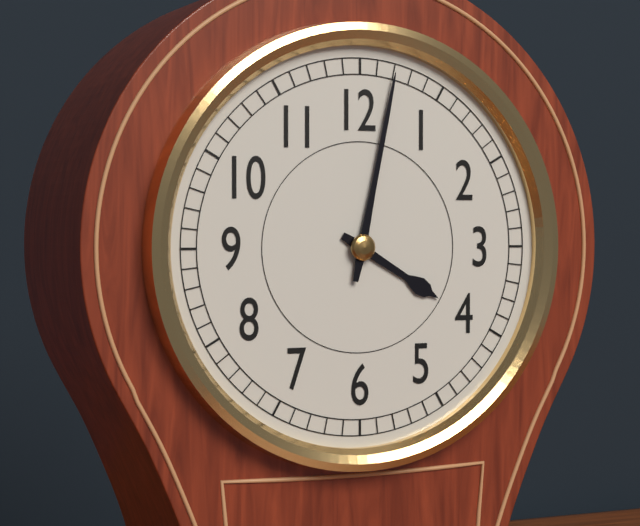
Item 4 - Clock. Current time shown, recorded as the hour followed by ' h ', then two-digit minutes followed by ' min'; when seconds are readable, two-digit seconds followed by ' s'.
4 h 02 min
